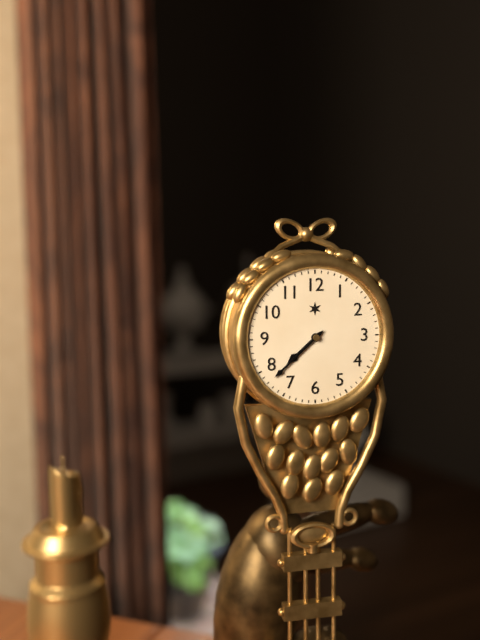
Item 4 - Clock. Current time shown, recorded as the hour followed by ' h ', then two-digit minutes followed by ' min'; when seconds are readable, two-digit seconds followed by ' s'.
7 h 38 min
